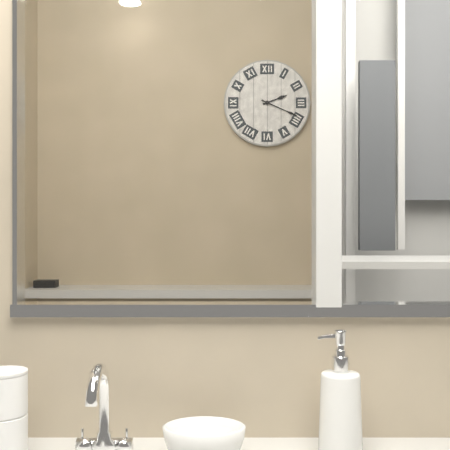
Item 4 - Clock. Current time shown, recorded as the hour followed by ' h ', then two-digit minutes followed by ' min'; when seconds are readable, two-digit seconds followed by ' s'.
2 h 19 min
